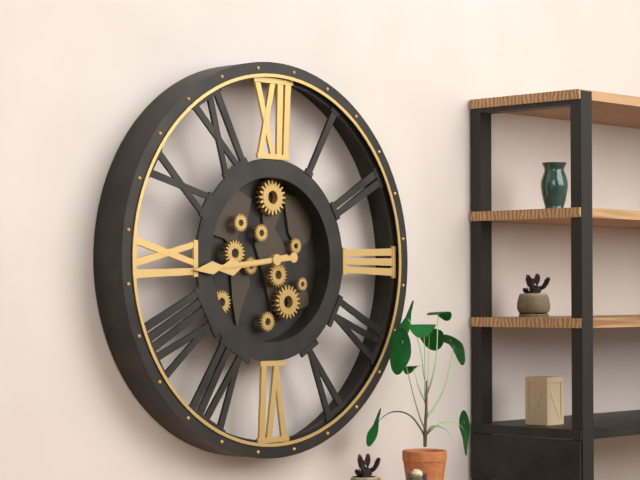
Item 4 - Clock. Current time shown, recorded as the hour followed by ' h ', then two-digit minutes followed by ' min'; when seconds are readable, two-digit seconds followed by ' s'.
8 h 44 min
